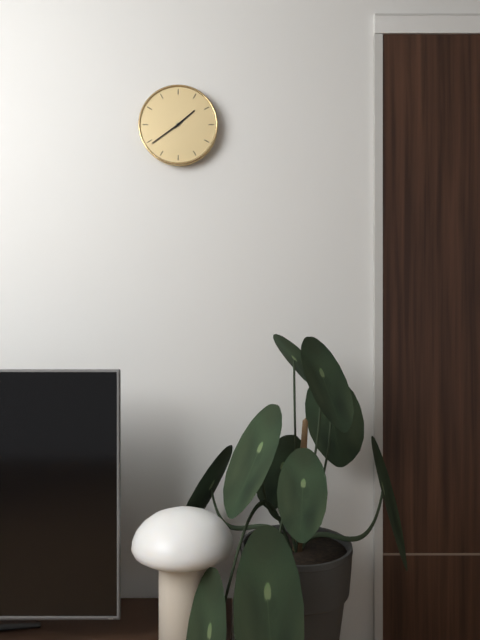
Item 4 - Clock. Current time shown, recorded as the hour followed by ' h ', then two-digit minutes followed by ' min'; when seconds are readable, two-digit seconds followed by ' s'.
1 h 39 min
